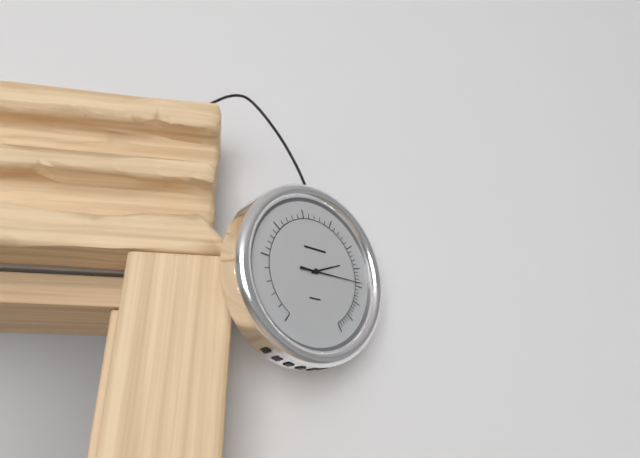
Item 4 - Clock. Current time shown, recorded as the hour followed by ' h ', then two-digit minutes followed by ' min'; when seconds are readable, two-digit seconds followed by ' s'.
2 h 15 min
